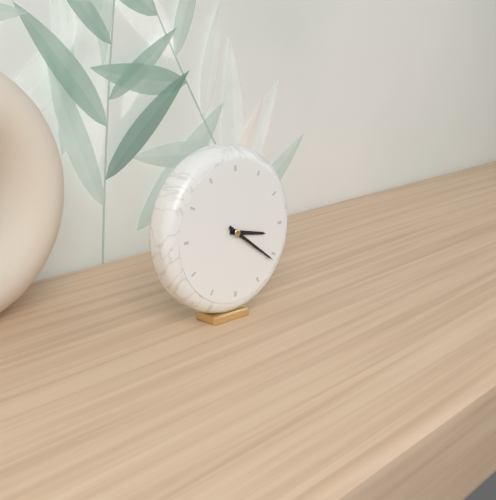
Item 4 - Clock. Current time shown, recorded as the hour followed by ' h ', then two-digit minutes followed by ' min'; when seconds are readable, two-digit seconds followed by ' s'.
3 h 21 min
